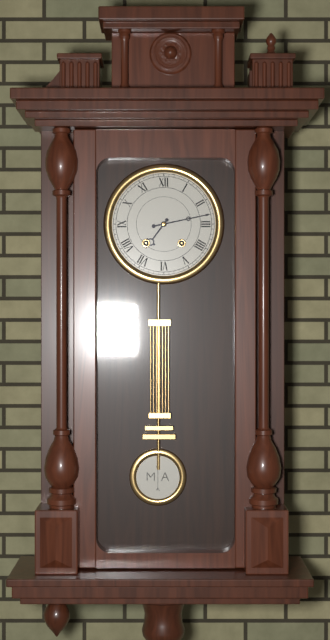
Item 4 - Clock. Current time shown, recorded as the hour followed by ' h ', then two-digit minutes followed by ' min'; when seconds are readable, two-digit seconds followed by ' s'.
7 h 13 min
